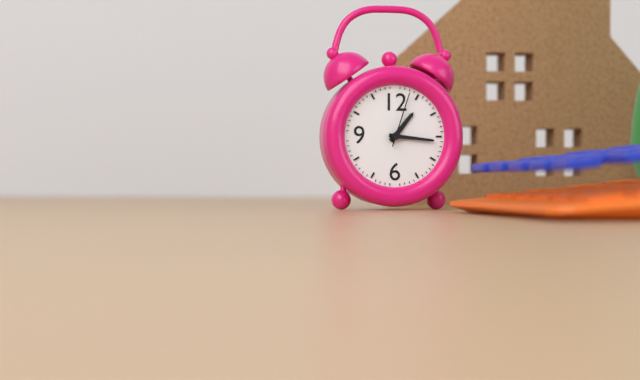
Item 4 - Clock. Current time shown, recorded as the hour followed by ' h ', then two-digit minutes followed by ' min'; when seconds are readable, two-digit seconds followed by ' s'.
1 h 16 min 03 s
